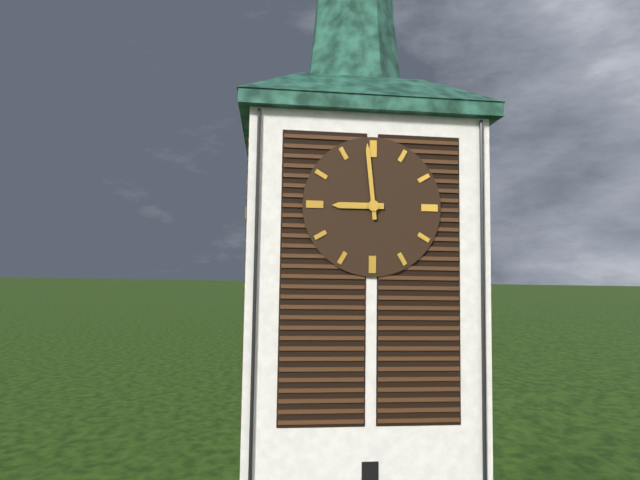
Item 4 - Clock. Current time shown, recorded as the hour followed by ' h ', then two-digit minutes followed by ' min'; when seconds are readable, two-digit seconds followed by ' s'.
8 h 59 min
